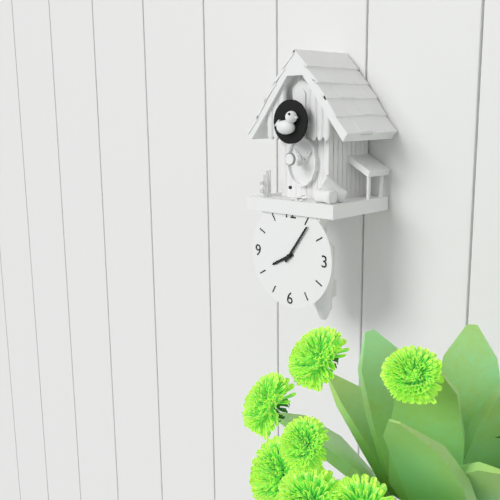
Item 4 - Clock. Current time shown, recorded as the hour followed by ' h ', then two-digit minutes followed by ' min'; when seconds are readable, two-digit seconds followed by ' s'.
8 h 06 min
